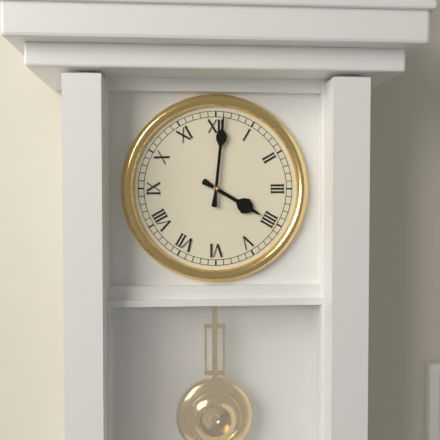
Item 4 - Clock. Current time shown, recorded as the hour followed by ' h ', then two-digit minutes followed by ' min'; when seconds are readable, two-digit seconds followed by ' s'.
4 h 01 min
